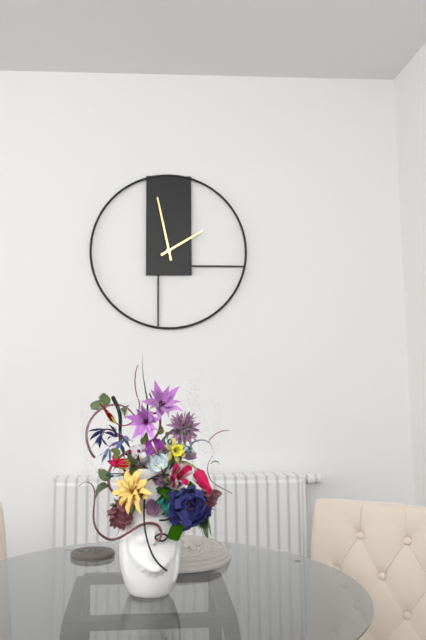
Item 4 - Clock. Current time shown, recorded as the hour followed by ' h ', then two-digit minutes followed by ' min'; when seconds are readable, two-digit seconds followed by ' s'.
1 h 58 min
